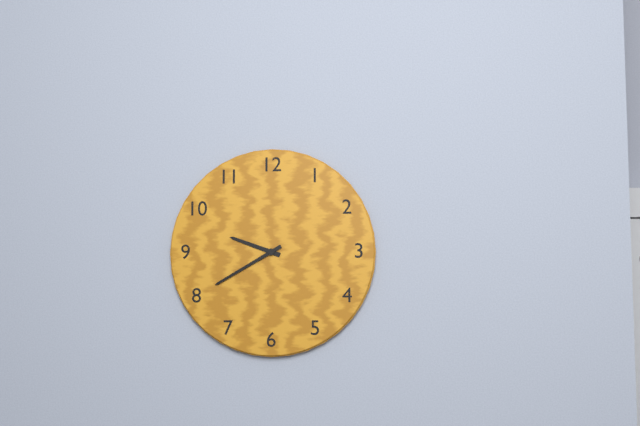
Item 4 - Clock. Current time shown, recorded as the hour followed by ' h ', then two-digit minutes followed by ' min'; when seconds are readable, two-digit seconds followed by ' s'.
9 h 40 min
